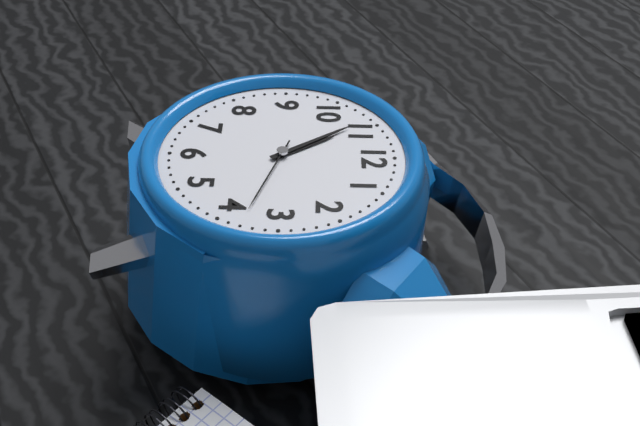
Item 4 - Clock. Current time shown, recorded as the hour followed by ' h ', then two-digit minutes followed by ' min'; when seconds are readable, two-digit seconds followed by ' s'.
10 h 54 min 18 s
